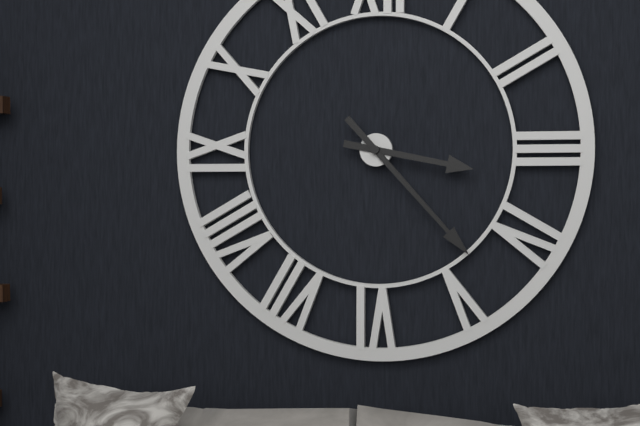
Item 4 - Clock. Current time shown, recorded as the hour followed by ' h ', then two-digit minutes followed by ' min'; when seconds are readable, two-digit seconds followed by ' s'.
3 h 23 min
